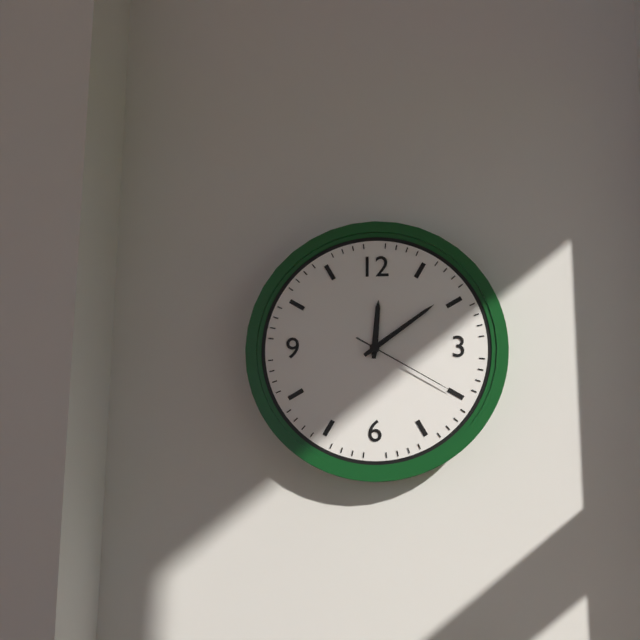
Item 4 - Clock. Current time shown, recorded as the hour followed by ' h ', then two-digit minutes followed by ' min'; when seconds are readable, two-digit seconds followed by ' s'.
12 h 09 min 20 s
